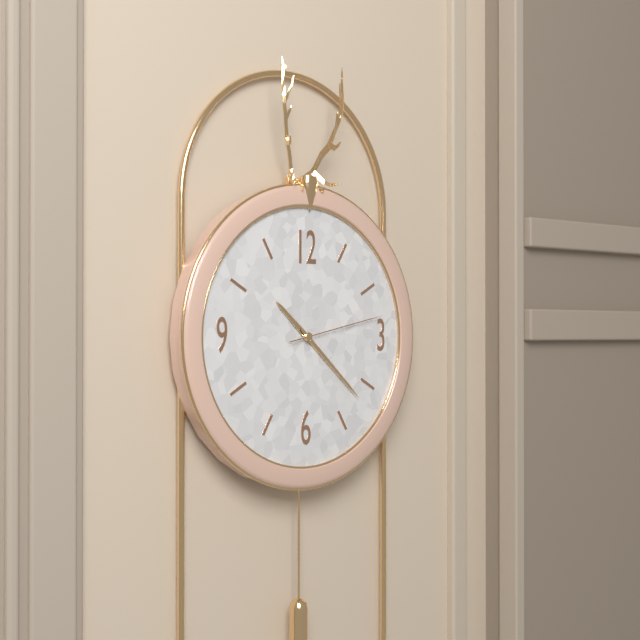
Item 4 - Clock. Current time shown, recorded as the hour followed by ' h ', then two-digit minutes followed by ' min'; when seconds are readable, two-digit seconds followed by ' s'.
10 h 22 min 13 s
